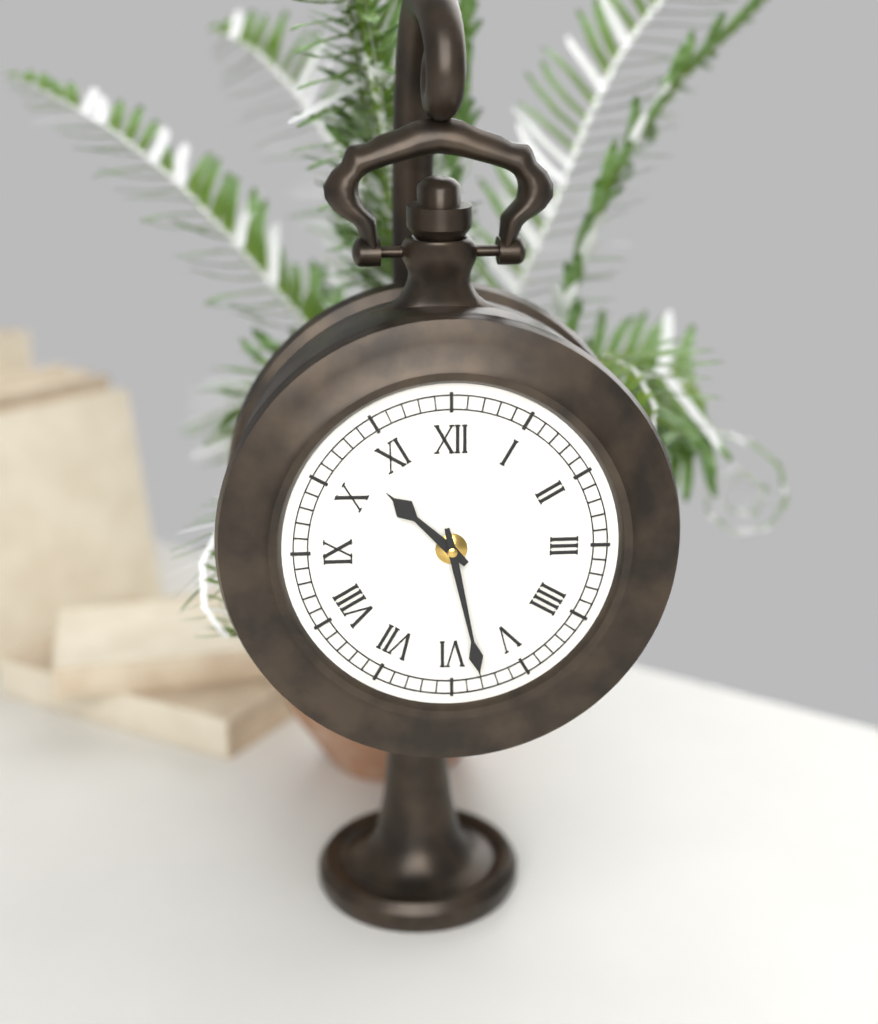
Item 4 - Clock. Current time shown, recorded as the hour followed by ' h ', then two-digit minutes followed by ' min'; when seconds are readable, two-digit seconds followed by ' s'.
10 h 28 min
